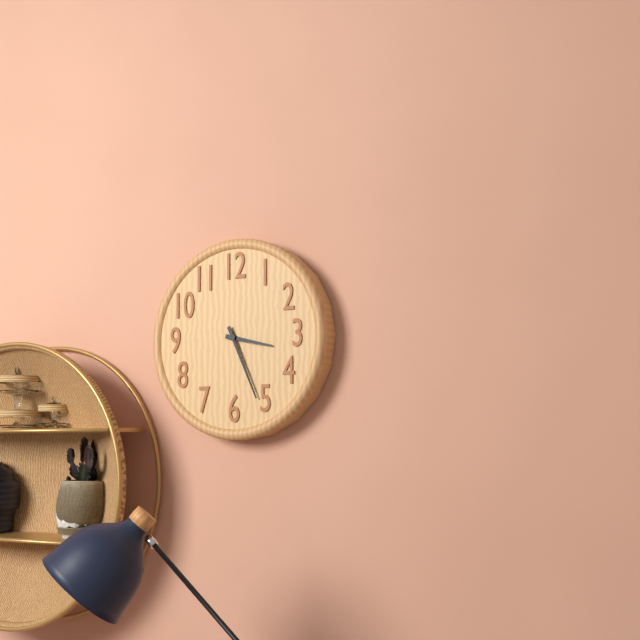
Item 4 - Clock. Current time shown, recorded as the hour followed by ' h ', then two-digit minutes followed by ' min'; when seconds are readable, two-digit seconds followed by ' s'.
3 h 26 min
